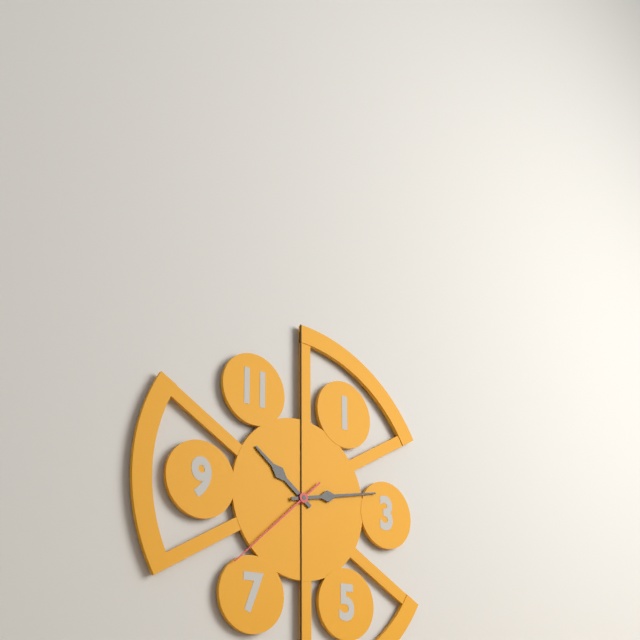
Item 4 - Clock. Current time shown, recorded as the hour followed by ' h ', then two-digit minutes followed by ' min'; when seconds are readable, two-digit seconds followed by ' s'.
10 h 13 min 38 s
